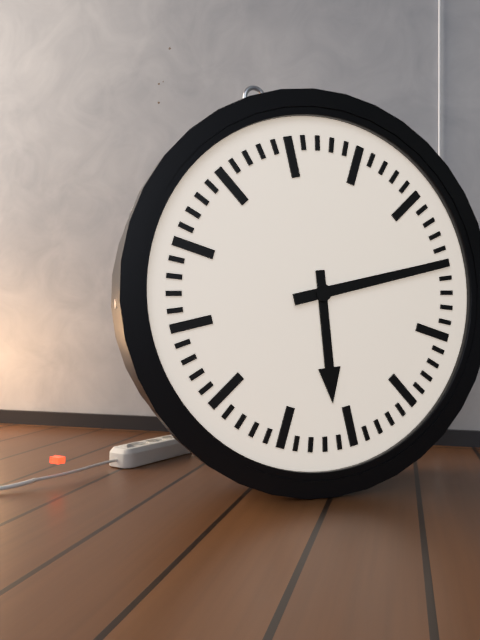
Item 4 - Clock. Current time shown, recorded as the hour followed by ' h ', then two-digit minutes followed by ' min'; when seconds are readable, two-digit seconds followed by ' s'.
6 h 15 min
